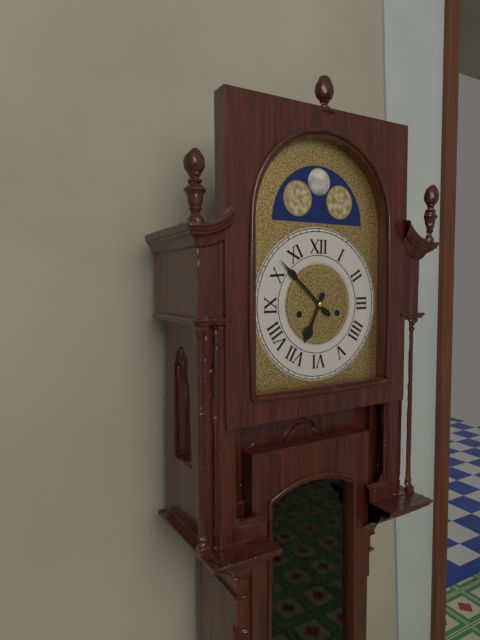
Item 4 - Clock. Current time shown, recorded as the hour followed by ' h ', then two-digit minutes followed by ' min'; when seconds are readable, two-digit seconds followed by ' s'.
6 h 52 min
